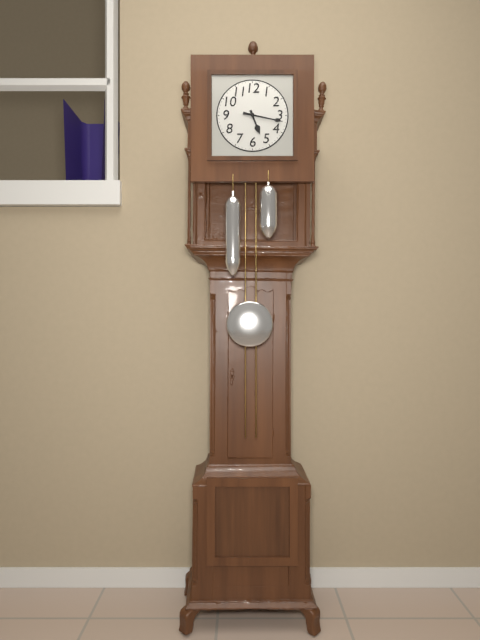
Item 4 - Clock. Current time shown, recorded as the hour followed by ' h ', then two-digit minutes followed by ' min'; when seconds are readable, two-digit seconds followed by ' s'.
5 h 17 min
